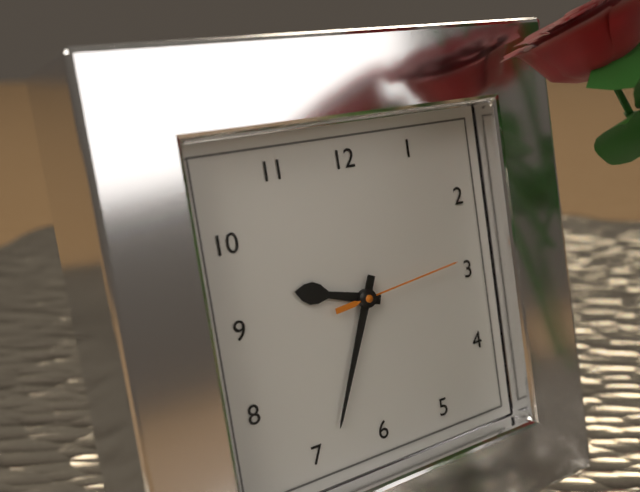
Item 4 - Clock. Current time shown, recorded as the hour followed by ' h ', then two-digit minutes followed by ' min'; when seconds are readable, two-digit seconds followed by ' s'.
9 h 34 min 14 s
